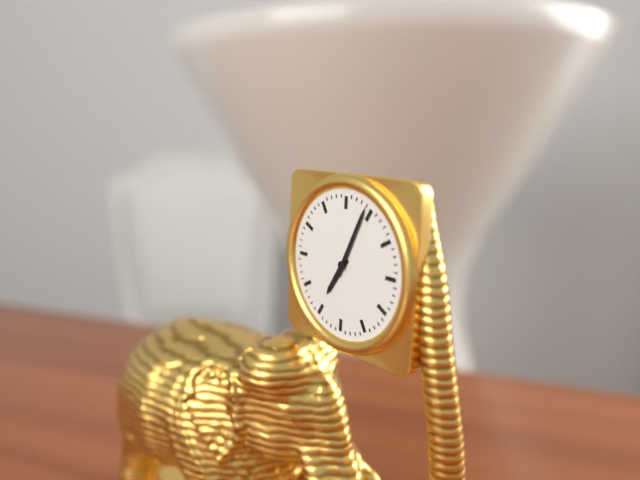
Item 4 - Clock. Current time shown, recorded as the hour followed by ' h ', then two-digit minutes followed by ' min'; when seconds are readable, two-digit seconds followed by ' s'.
7 h 04 min
